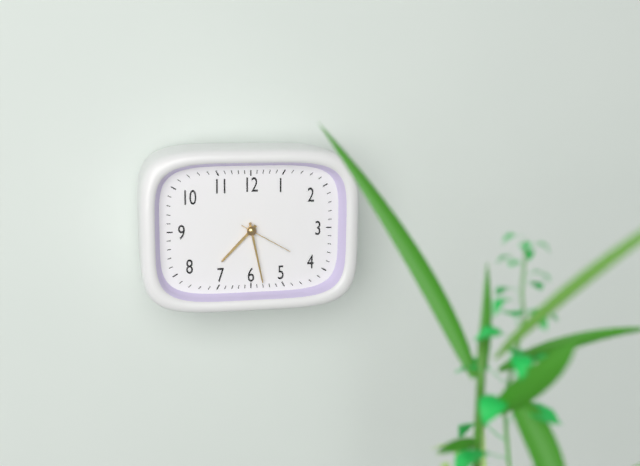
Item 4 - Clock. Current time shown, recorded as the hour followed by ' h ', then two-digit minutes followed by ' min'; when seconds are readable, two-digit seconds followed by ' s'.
7 h 28 min 20 s
